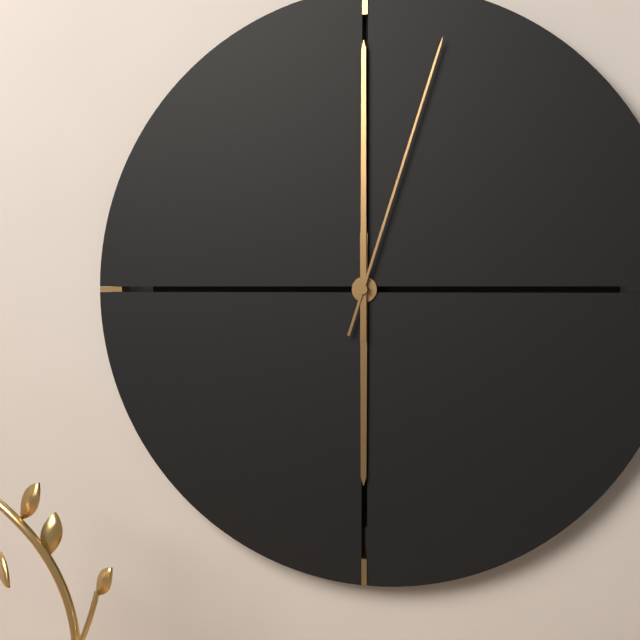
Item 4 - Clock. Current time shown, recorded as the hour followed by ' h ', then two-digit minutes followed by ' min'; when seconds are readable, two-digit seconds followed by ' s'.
6 h 00 min 03 s
